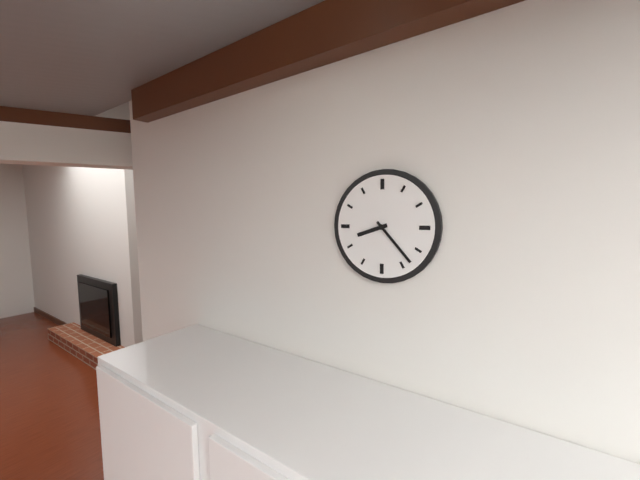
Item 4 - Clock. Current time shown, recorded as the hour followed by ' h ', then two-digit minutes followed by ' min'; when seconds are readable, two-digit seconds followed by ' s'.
8 h 23 min
